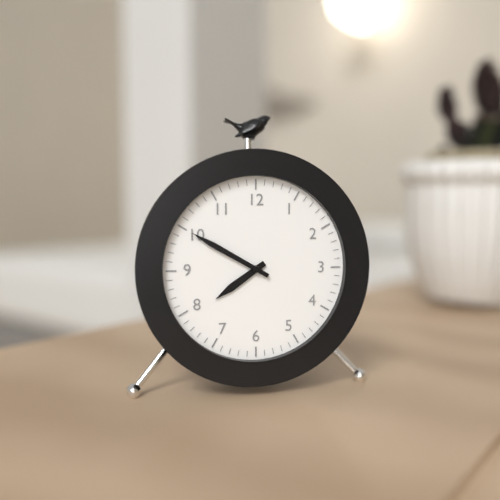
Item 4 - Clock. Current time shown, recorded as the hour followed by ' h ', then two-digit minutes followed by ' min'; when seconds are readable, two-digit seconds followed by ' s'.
7 h 50 min
